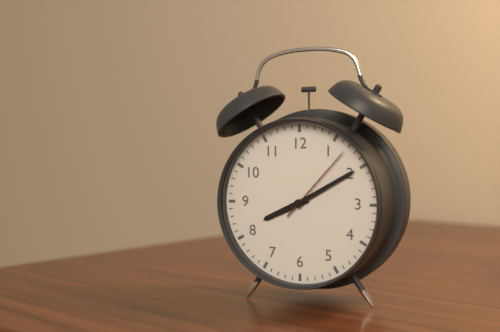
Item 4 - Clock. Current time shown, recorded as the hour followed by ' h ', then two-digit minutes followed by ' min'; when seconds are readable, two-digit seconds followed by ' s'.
8 h 10 min 07 s
